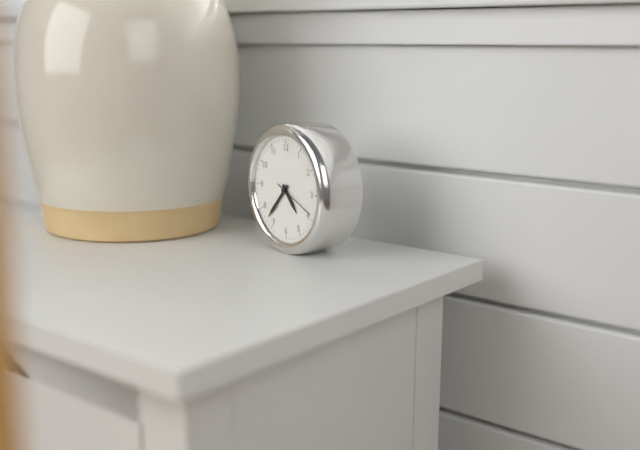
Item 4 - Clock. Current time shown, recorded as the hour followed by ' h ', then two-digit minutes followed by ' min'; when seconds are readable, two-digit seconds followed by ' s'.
4 h 37 min
